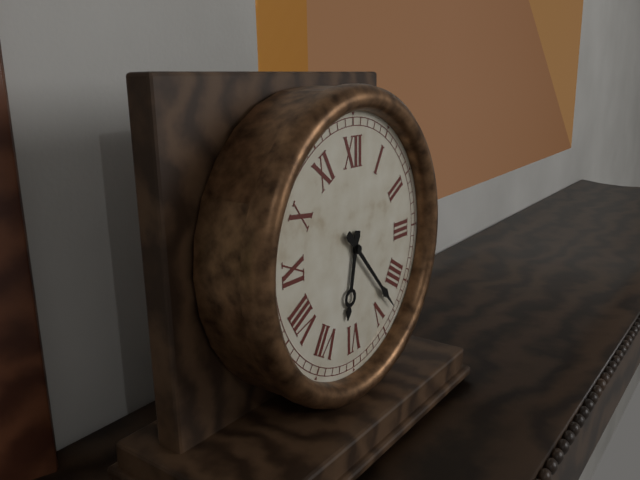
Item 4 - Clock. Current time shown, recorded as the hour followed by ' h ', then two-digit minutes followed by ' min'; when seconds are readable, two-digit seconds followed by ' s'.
6 h 23 min
